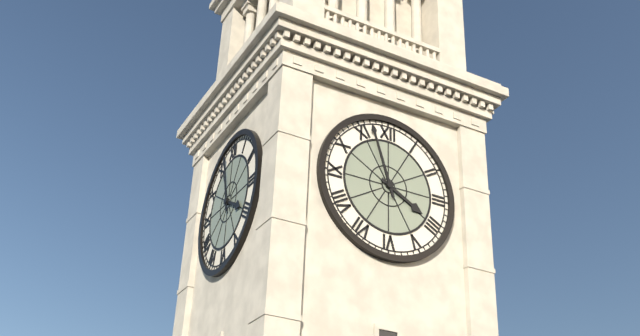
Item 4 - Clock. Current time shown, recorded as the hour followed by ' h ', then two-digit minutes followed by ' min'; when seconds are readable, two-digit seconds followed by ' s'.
3 h 57 min
